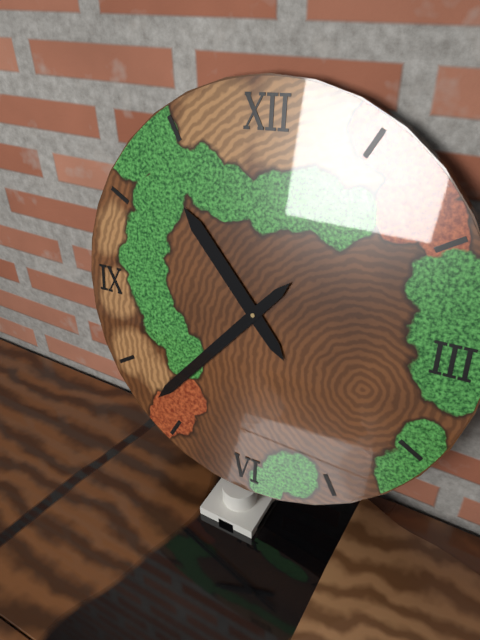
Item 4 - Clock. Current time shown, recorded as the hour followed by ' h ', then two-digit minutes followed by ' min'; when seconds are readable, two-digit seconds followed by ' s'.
10 h 37 min
